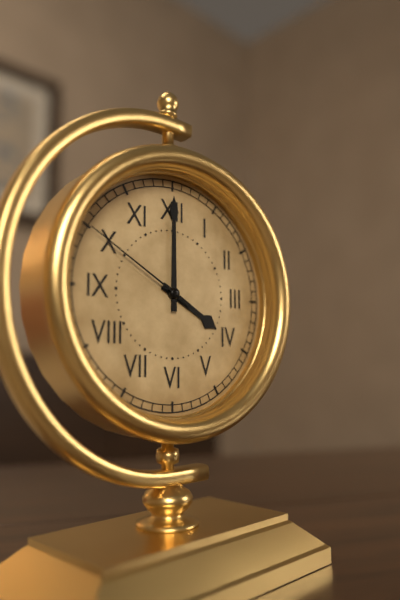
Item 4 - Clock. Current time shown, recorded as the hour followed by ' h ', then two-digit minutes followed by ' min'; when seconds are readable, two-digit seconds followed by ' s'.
4 h 00 min 50 s
